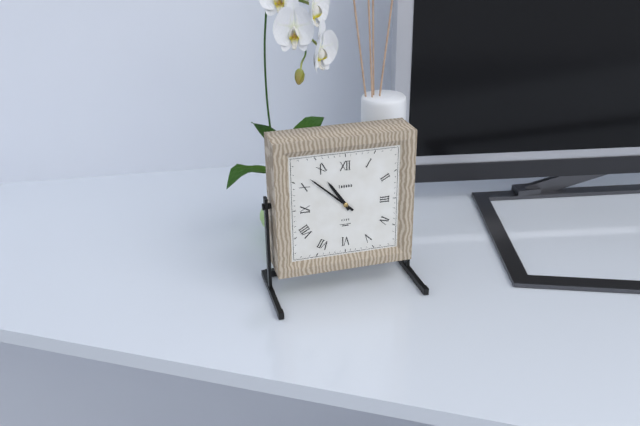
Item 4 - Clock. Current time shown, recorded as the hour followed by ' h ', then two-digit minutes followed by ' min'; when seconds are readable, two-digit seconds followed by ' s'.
10 h 52 min
